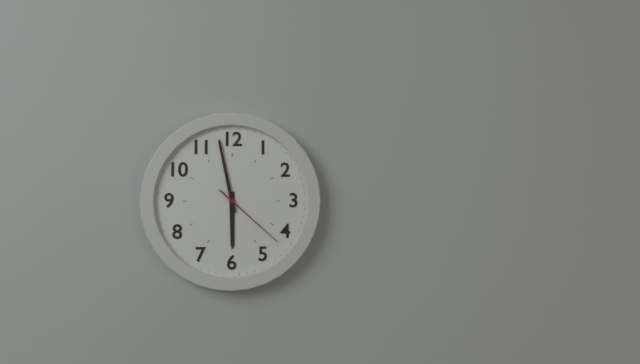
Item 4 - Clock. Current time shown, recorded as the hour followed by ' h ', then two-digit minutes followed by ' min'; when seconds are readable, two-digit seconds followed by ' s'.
5 h 58 min 22 s
